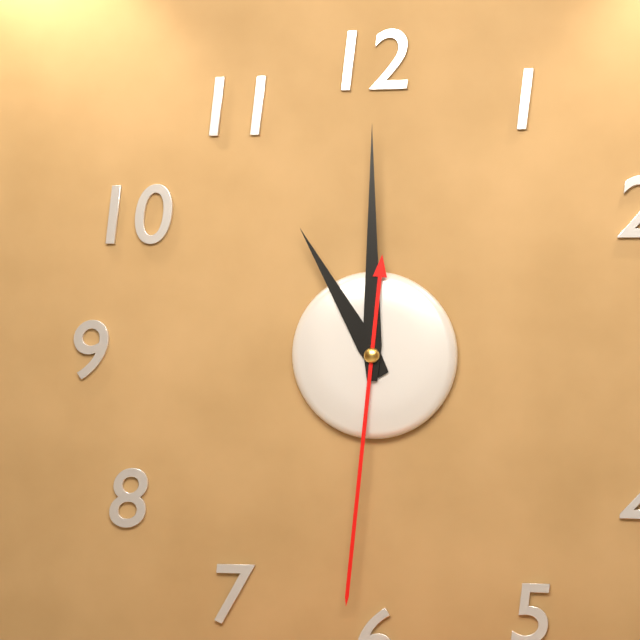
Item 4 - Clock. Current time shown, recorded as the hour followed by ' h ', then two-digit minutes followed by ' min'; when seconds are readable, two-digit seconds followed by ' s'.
11 h 00 min 31 s
